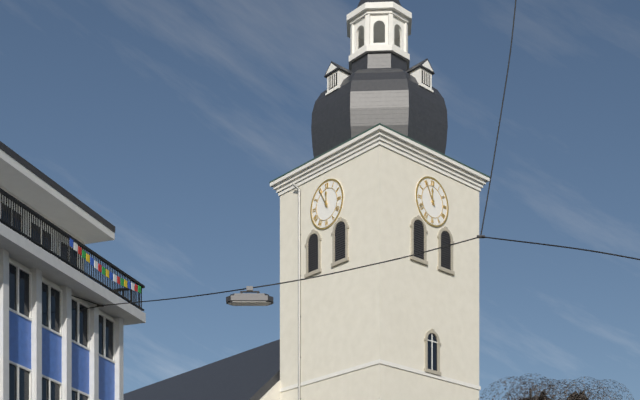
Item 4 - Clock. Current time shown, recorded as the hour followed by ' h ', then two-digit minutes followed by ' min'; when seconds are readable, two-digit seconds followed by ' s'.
11 h 55 min
